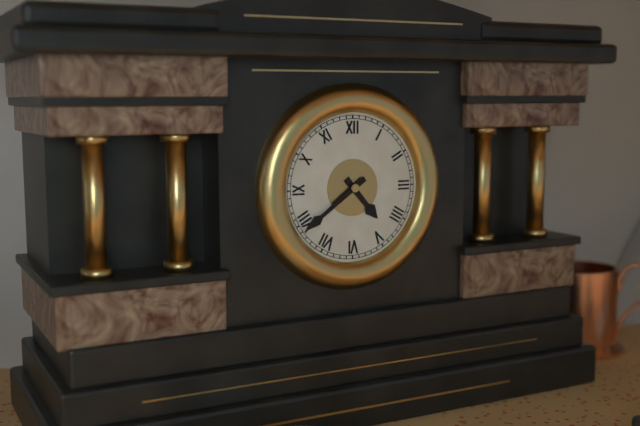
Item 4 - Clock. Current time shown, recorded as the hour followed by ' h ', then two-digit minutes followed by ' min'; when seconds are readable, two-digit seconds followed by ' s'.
4 h 39 min
